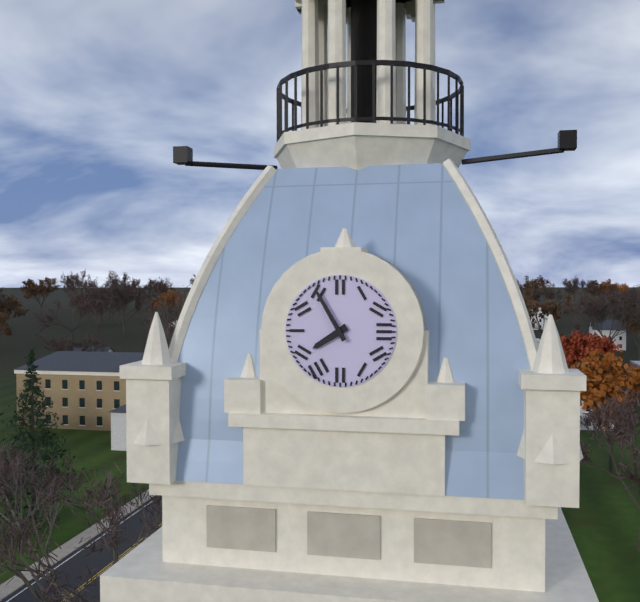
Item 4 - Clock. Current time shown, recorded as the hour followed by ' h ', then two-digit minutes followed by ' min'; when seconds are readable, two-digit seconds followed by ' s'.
7 h 55 min
